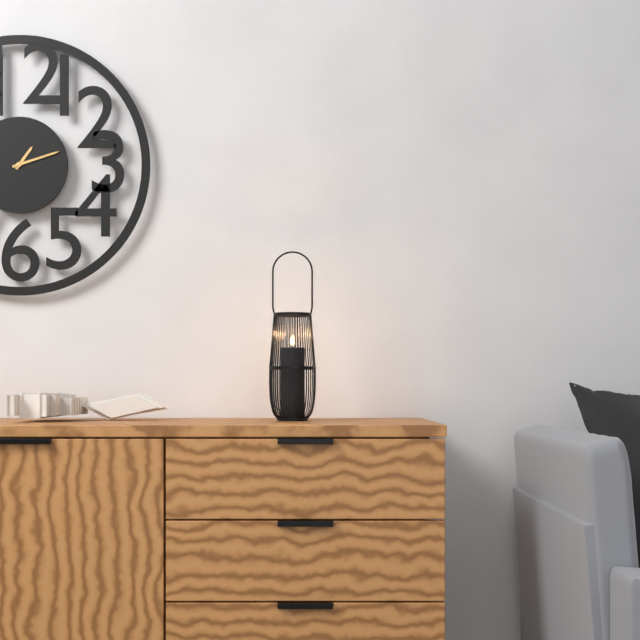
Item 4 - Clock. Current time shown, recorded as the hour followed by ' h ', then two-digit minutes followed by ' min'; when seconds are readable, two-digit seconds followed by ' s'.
1 h 12 min
